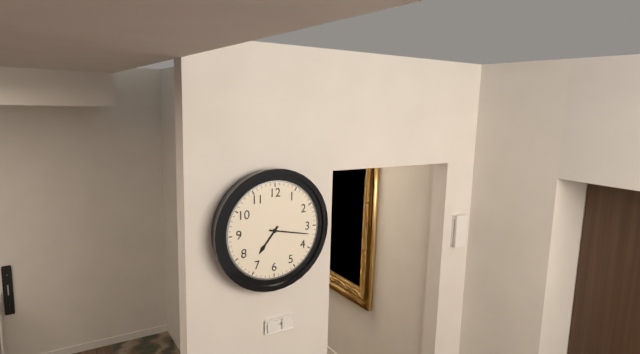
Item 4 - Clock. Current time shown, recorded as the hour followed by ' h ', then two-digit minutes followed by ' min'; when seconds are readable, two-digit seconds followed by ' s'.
7 h 17 min
